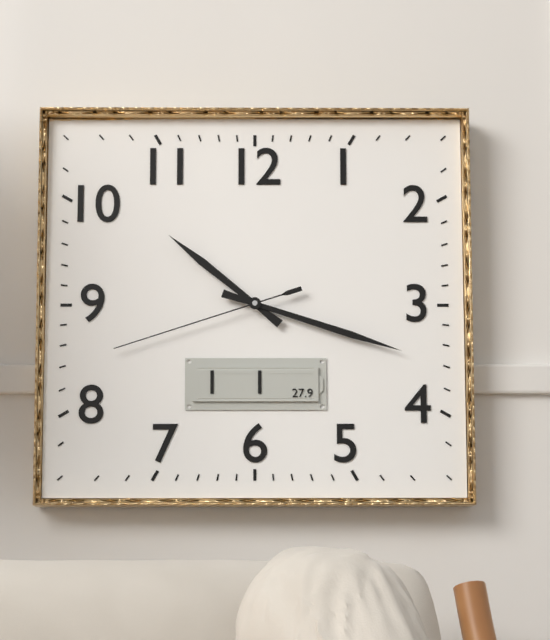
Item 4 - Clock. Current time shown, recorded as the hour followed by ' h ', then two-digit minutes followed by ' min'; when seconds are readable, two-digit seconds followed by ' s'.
10 h 18 min 42 s
